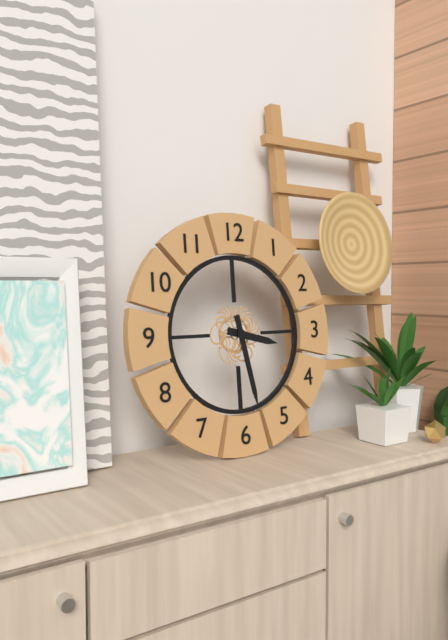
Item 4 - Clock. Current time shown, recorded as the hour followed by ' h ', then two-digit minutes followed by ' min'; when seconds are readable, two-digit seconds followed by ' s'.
3 h 28 min
